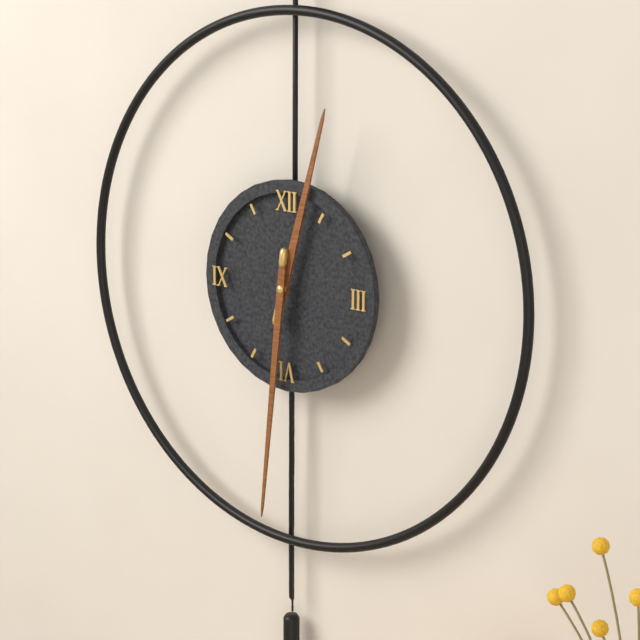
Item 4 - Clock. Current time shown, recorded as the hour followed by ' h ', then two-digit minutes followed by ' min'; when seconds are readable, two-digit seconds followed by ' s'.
12 h 31 min
